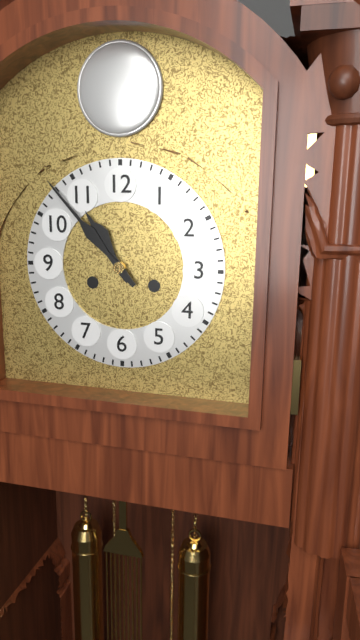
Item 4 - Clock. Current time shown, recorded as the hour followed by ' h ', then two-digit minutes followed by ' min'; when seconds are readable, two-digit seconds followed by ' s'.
10 h 53 min
